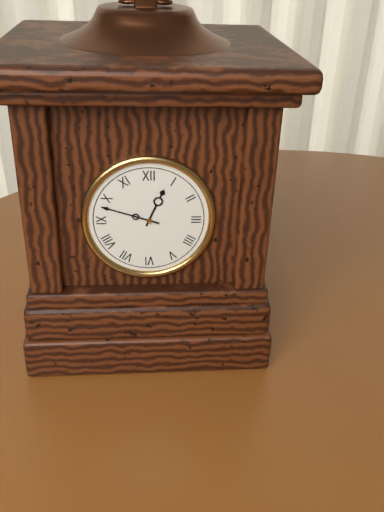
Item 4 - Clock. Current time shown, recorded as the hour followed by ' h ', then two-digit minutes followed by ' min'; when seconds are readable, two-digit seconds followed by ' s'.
12 h 48 min
